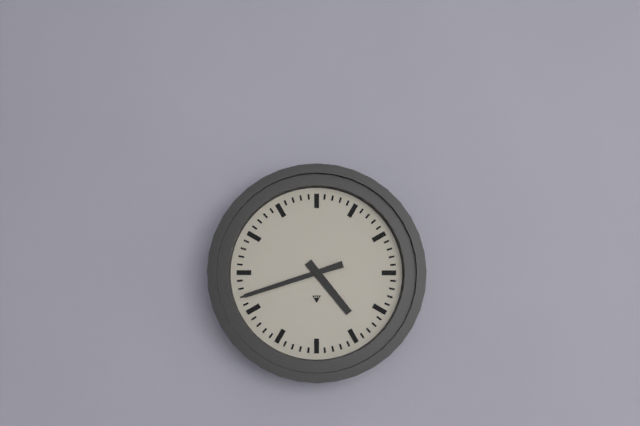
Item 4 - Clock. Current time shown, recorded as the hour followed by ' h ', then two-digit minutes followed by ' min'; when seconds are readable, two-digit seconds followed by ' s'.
4 h 42 min
